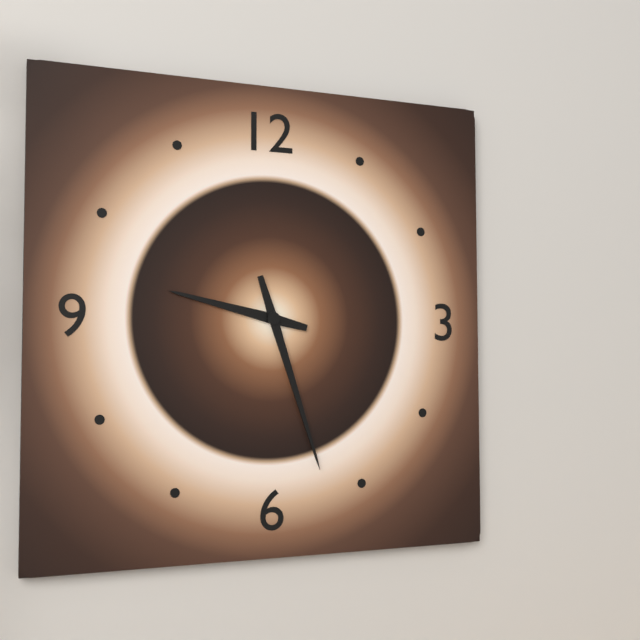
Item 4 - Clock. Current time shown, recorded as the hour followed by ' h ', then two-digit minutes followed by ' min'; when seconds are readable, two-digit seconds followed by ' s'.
9 h 27 min
